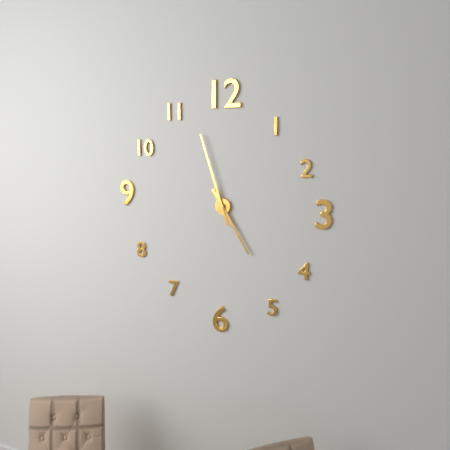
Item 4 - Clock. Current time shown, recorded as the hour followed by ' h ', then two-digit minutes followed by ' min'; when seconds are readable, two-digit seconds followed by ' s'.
4 h 57 min
